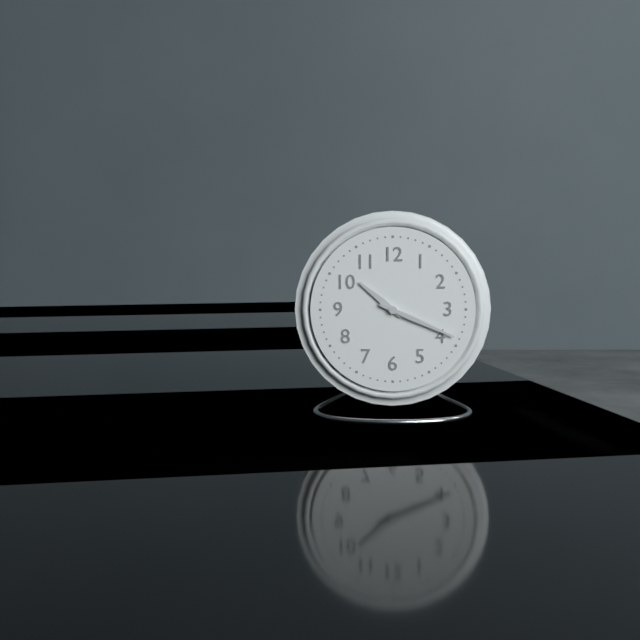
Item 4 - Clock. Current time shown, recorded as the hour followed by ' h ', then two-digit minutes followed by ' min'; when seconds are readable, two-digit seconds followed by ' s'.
10 h 19 min
